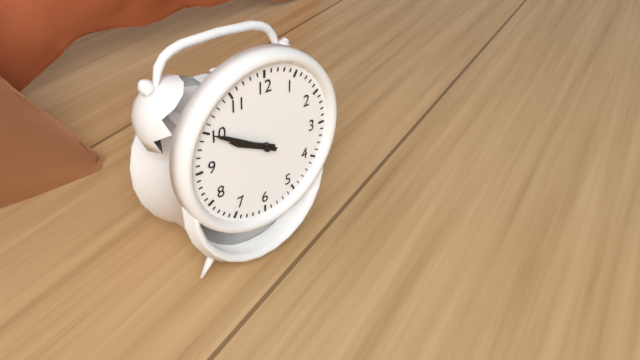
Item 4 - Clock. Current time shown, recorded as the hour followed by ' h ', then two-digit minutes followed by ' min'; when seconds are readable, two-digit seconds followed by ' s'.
9 h 50 min
